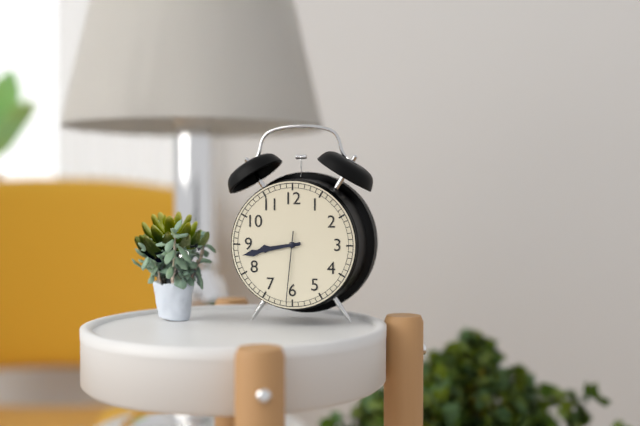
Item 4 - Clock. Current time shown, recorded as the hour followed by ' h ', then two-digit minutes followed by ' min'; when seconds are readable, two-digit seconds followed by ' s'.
8 h 43 min 31 s
